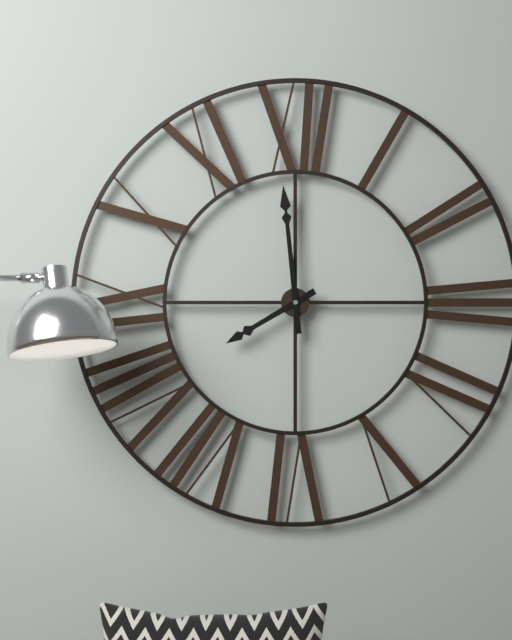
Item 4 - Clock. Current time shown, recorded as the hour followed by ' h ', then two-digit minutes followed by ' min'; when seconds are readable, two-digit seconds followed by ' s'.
7 h 59 min
